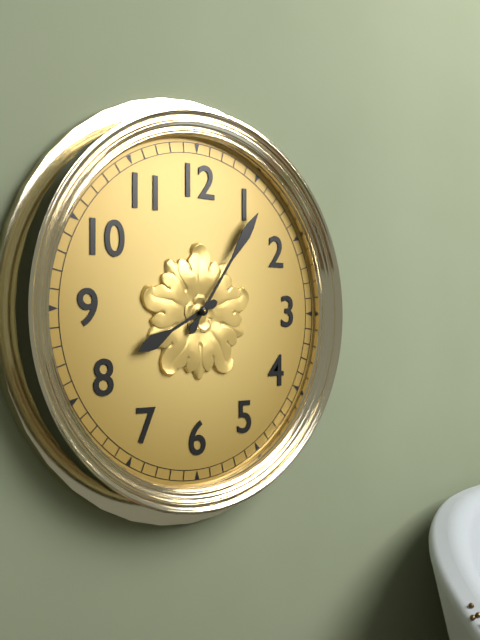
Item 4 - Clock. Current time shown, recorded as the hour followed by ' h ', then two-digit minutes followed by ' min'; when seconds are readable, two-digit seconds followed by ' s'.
8 h 06 min
